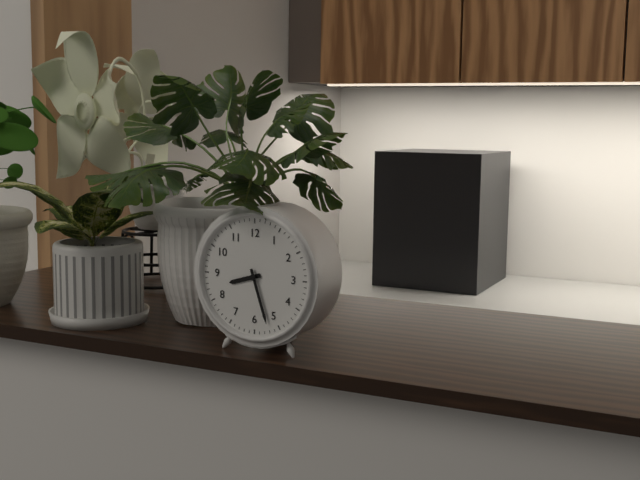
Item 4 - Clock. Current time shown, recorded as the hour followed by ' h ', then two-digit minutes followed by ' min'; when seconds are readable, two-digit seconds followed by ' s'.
8 h 27 min
